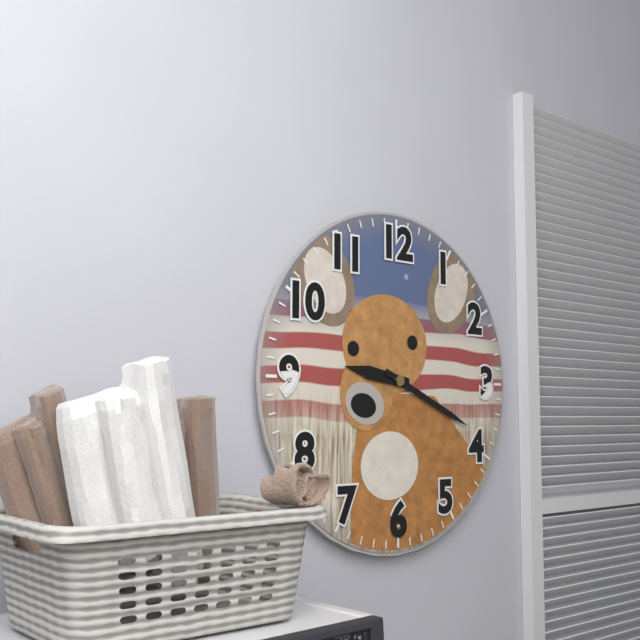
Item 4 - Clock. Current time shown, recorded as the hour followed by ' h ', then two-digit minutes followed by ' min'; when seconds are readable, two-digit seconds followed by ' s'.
9 h 19 min
